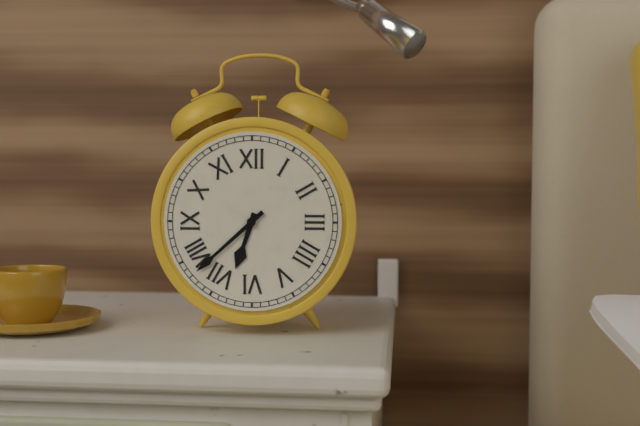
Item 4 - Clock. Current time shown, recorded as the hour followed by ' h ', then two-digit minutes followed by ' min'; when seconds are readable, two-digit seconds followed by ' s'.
6 h 38 min
